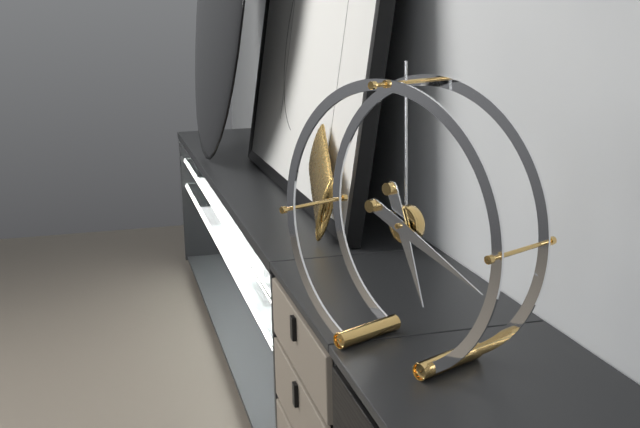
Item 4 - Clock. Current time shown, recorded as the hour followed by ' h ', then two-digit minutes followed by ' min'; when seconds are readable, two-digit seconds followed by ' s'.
5 h 19 min
